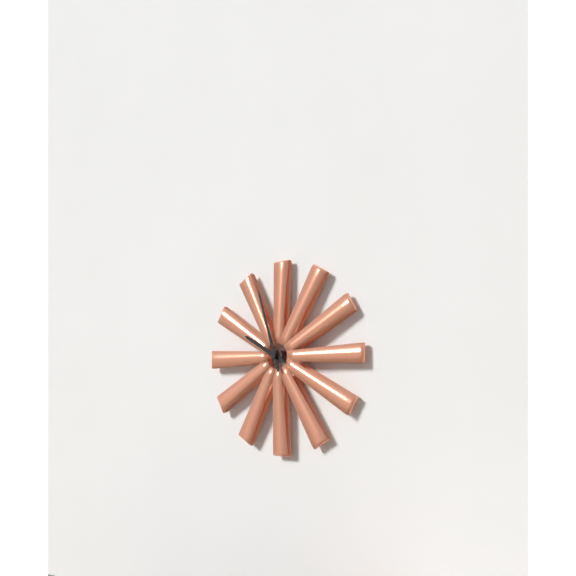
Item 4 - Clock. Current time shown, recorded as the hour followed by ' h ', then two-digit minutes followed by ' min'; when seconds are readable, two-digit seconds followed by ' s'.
9 h 57 min
